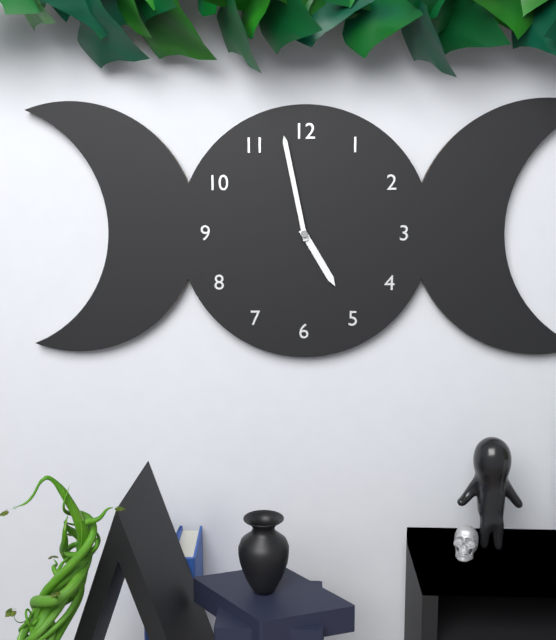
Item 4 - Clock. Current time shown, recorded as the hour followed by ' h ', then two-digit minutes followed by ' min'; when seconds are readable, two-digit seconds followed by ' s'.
4 h 58 min
